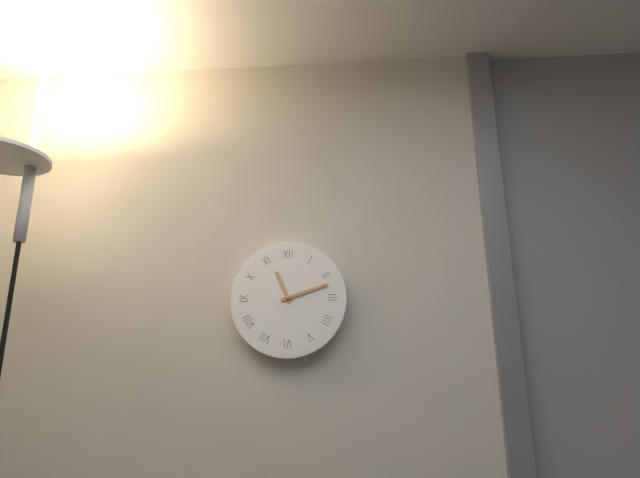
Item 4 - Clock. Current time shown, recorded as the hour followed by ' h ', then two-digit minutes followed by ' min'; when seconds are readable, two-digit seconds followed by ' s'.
11 h 12 min
